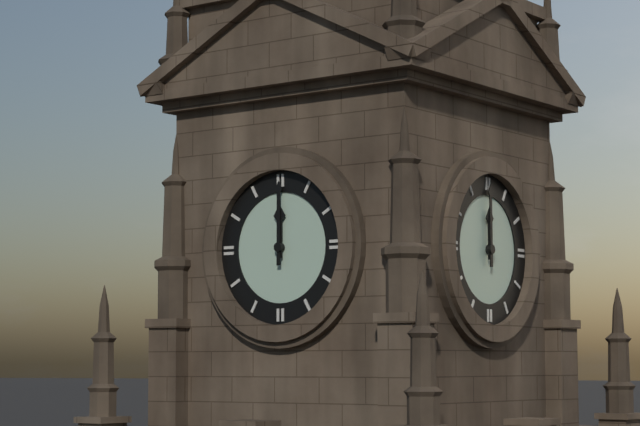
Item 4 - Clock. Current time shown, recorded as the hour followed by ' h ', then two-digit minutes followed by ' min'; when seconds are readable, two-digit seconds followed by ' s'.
12 h 00 min
